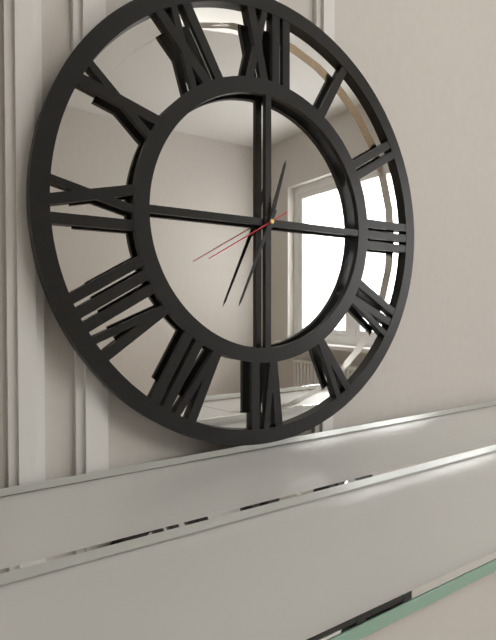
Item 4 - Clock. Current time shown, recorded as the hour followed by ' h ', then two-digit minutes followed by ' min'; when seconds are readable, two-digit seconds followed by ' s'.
12 h 34 min 40 s
